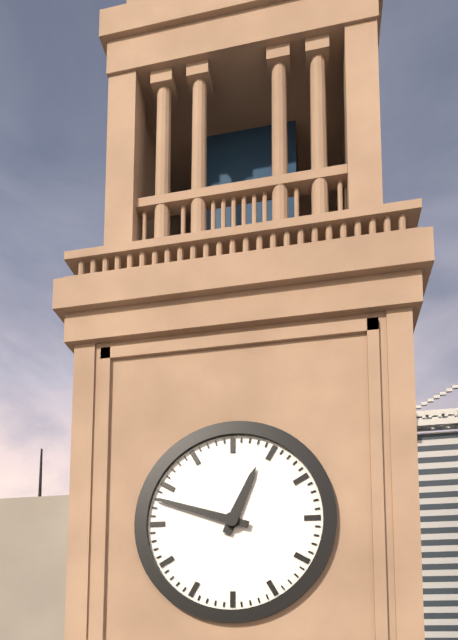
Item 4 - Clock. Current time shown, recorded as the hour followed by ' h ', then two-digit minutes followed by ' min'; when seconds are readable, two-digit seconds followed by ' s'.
12 h 48 min
